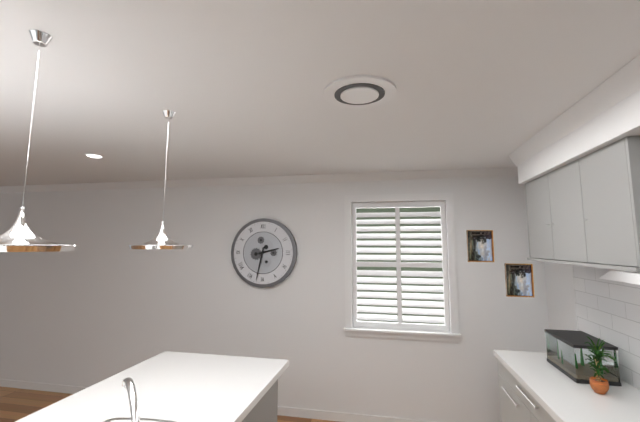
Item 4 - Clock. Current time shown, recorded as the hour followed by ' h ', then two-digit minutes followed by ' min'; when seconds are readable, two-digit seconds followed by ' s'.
2 h 32 min
